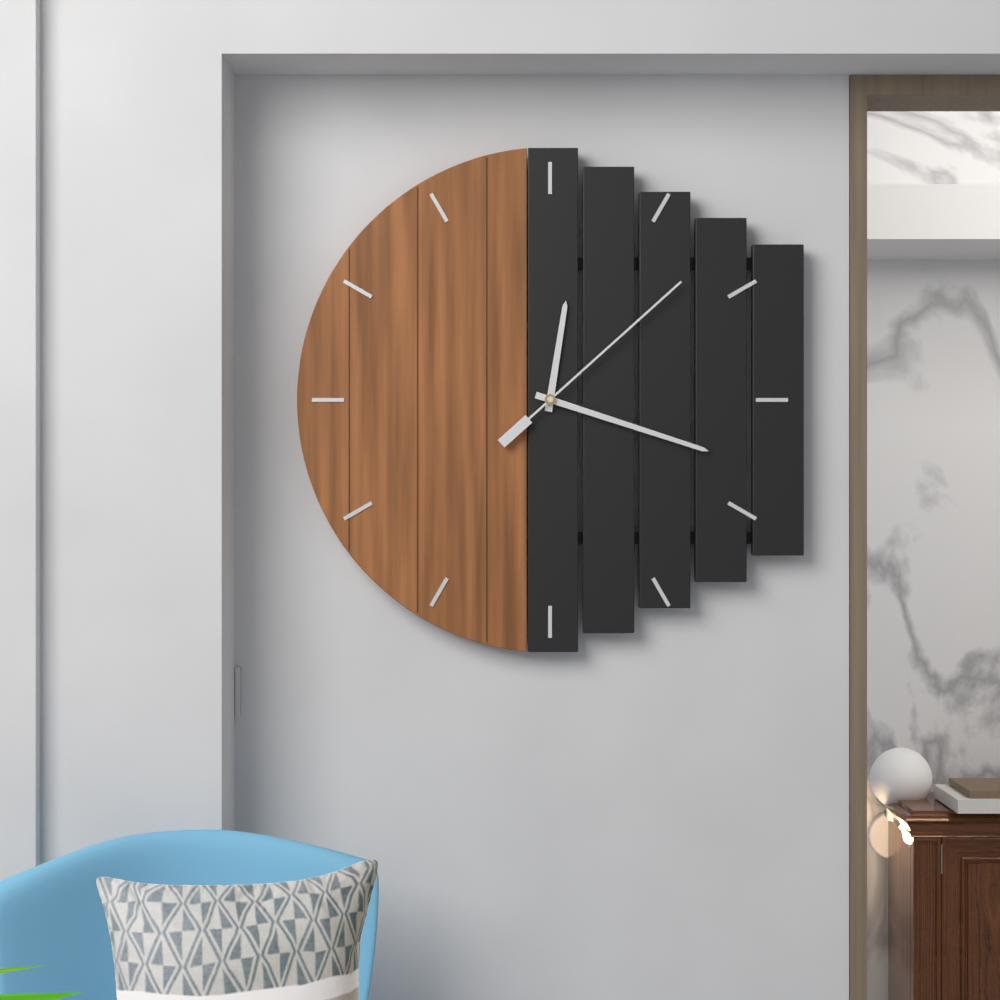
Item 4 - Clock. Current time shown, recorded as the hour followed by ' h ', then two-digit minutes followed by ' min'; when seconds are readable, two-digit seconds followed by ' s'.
12 h 18 min 08 s
